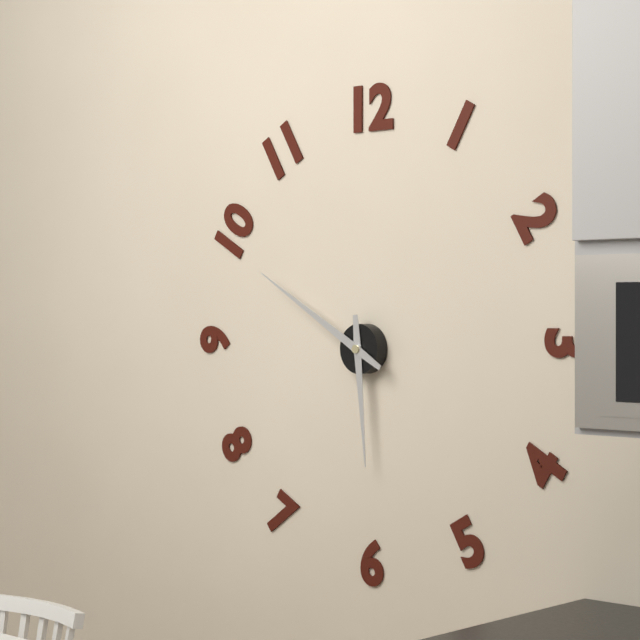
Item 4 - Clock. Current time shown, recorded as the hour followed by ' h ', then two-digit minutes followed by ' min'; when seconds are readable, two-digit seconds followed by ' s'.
5 h 50 min
